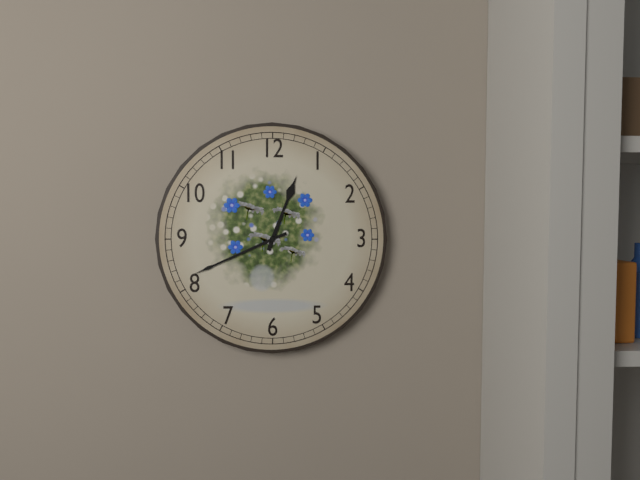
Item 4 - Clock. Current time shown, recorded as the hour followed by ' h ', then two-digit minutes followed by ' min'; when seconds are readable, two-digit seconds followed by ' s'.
12 h 41 min
